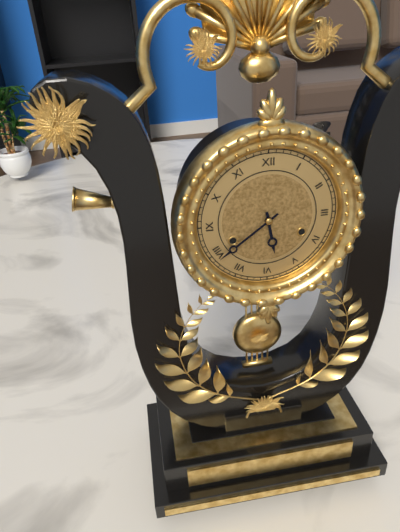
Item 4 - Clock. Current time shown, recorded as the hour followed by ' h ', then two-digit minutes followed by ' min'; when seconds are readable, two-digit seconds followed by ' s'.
5 h 39 min
